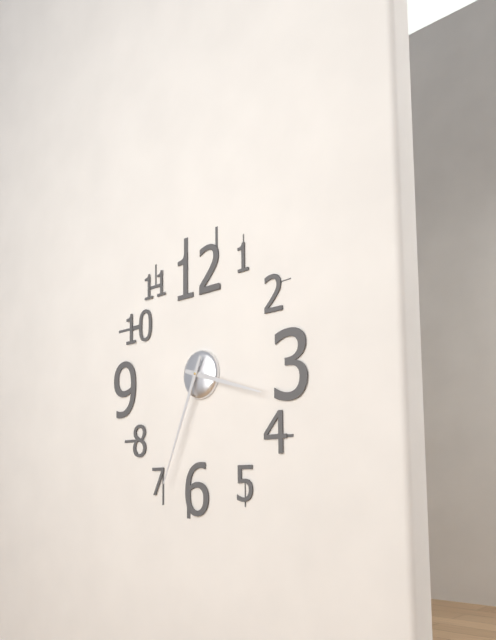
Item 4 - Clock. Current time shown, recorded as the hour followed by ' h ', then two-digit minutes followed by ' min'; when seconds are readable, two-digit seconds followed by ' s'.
3 h 34 min
